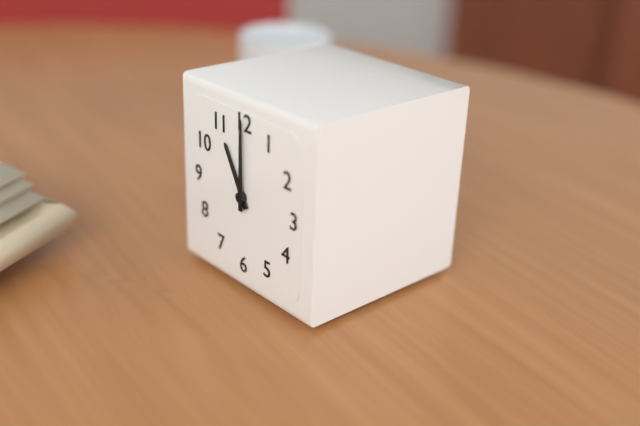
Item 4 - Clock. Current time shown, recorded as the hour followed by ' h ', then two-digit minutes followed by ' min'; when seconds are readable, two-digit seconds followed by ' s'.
11 h 00 min
